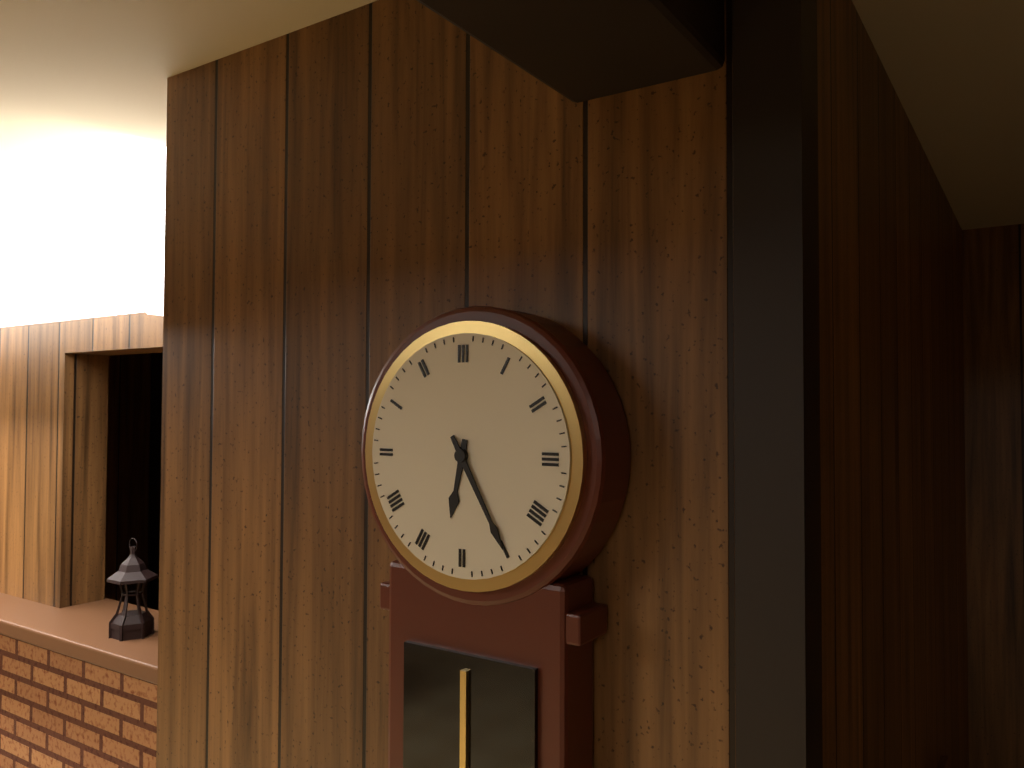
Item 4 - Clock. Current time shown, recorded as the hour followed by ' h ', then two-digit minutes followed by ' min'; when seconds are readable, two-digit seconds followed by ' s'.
6 h 25 min
